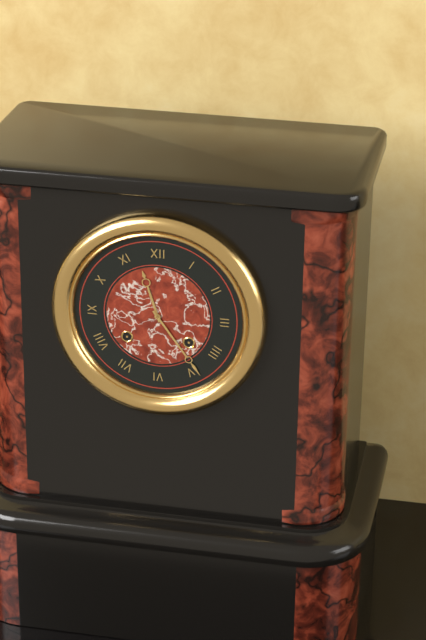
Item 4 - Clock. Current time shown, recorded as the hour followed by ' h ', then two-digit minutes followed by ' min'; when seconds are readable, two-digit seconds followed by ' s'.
11 h 24 min
